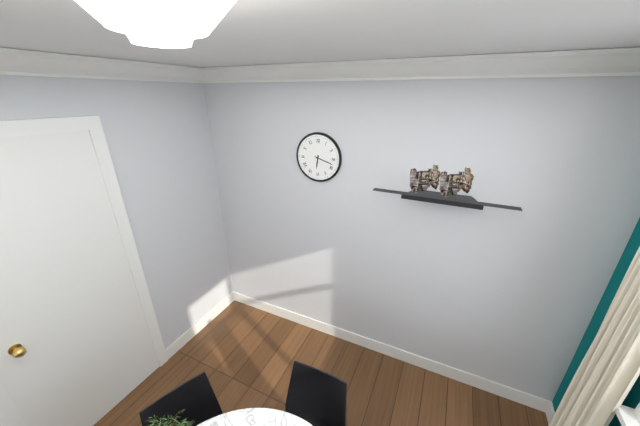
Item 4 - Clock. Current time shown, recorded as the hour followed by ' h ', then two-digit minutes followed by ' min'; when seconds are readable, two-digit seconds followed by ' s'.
6 h 18 min
